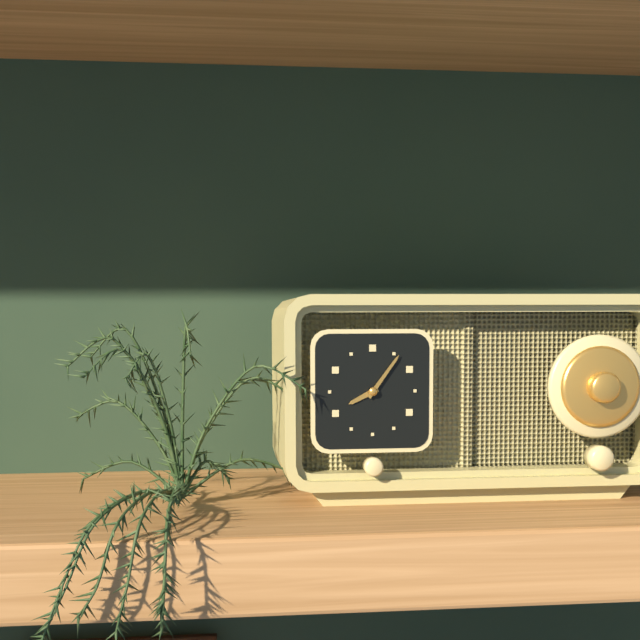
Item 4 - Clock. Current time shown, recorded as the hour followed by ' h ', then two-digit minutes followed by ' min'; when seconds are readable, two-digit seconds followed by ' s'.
8 h 06 min
